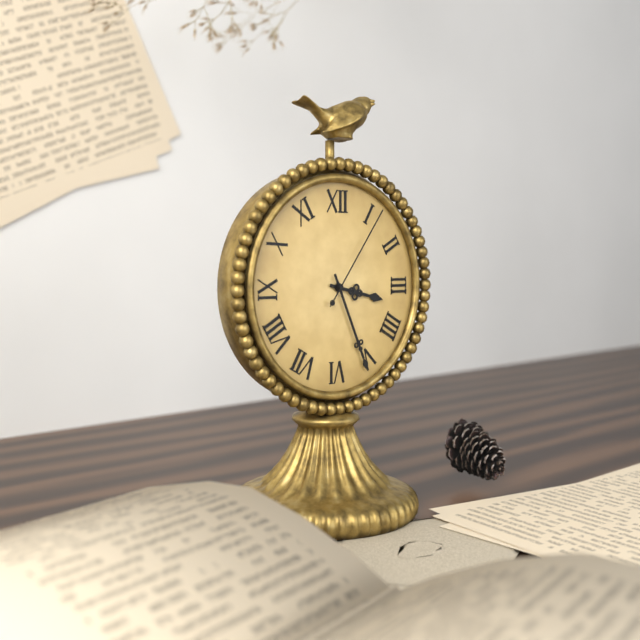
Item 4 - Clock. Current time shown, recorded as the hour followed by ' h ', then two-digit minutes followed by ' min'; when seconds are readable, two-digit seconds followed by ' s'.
3 h 26 min 06 s
